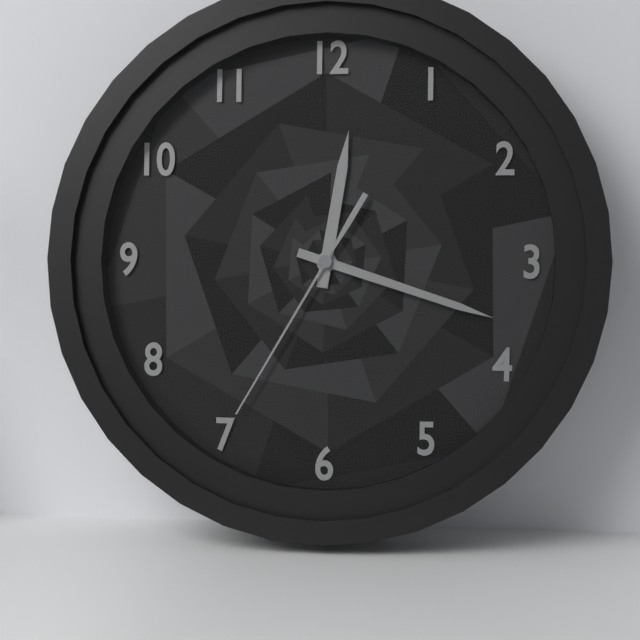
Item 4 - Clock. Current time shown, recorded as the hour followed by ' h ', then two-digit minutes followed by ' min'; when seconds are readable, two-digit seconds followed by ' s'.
12 h 18 min 35 s
